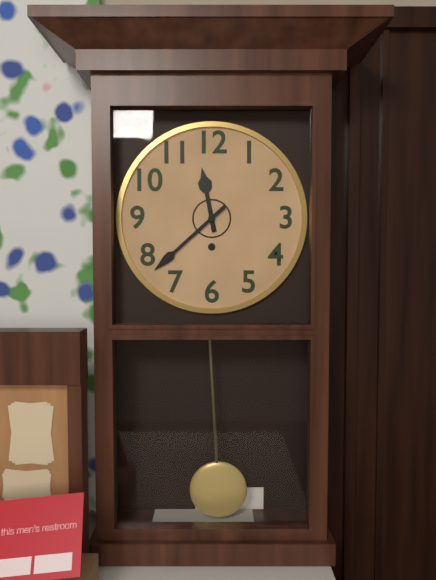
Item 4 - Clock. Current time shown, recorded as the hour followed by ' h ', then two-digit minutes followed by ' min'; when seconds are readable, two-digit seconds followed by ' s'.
11 h 38 min
